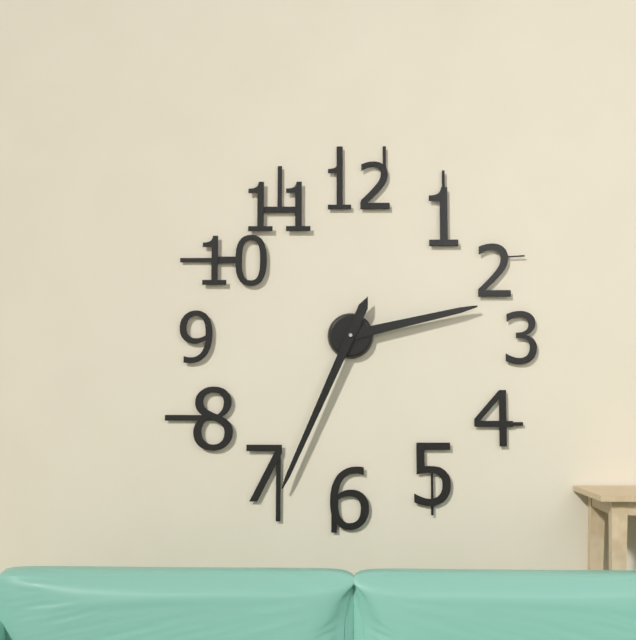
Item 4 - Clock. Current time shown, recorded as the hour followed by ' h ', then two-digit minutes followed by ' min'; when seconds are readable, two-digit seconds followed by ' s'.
2 h 34 min
